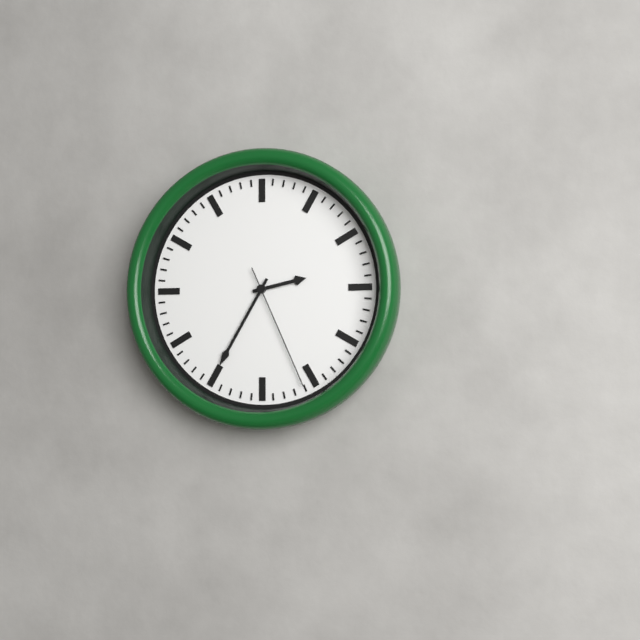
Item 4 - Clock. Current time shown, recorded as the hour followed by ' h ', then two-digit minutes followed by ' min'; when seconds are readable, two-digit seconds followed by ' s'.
2 h 35 min 26 s
